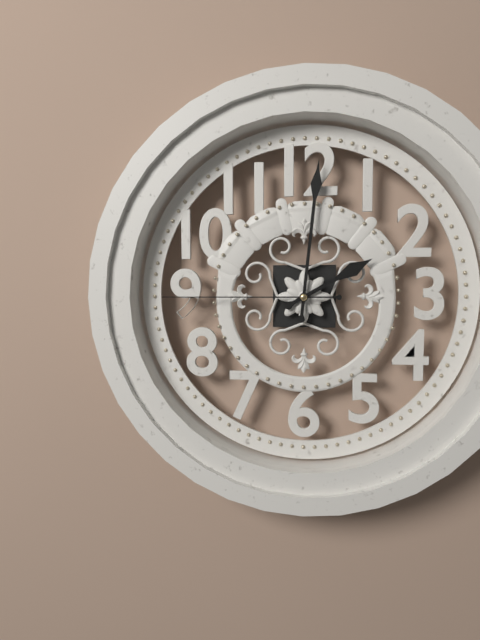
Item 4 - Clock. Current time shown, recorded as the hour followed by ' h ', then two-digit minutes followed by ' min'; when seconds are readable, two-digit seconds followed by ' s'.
2 h 01 min 45 s
